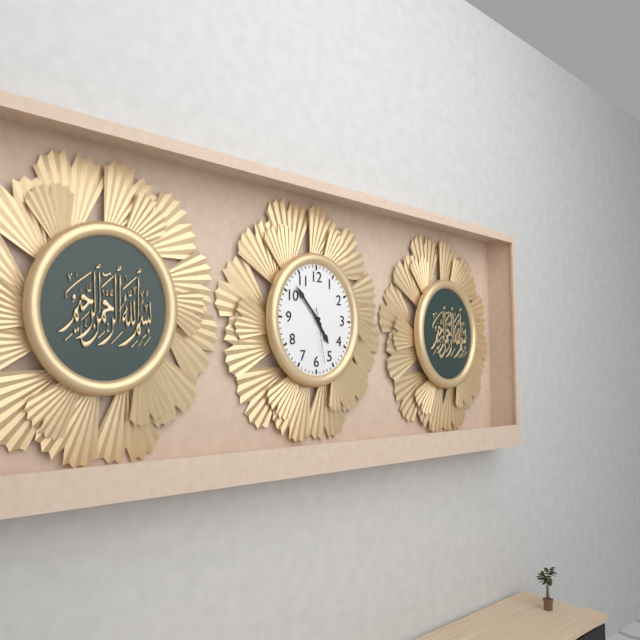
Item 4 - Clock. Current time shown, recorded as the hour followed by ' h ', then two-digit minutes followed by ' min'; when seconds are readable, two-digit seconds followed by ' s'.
4 h 53 min 28 s
